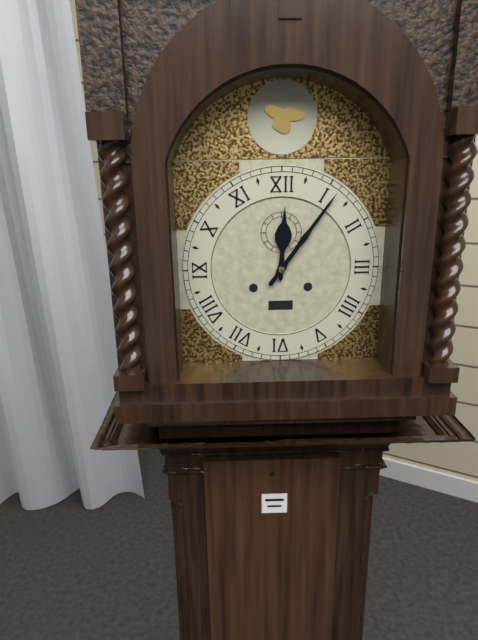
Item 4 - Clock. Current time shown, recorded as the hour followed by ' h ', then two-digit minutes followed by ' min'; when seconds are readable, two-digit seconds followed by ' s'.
12 h 06 min
